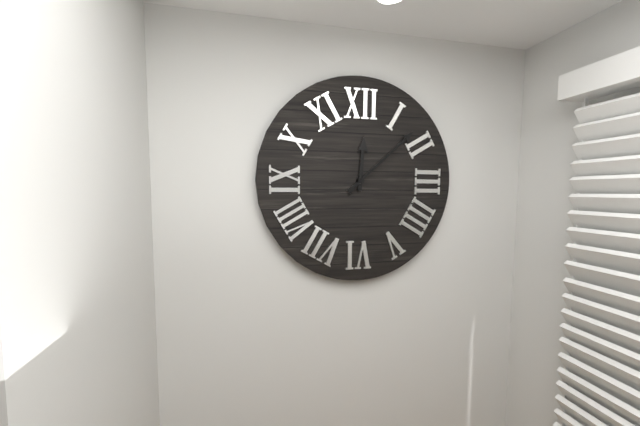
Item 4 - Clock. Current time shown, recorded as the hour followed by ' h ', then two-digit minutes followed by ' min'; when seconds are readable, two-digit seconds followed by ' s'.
12 h 08 min
